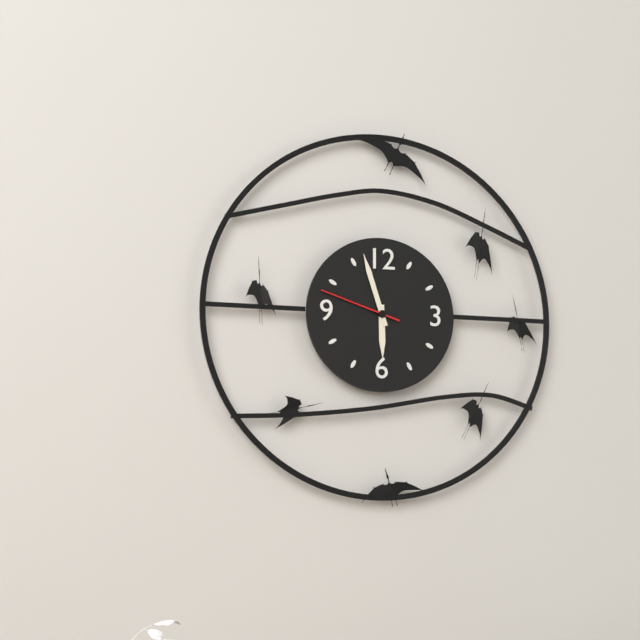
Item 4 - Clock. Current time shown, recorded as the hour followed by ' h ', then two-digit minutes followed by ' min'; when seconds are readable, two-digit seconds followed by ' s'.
5 h 57 min 48 s
